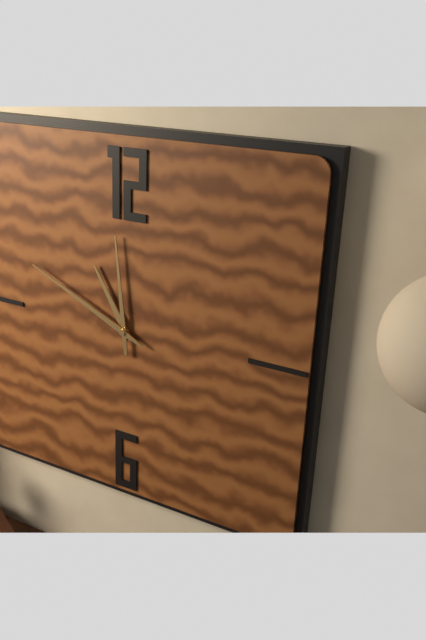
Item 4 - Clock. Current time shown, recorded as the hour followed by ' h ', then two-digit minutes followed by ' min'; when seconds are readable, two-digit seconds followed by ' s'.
10 h 59 min 49 s
